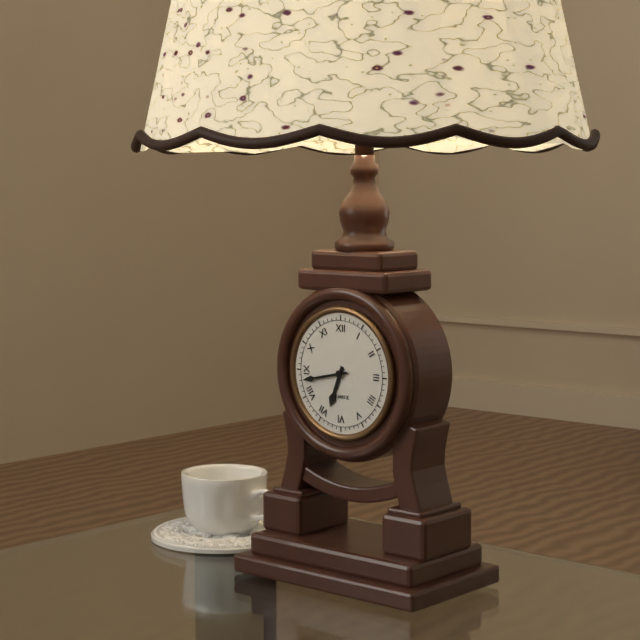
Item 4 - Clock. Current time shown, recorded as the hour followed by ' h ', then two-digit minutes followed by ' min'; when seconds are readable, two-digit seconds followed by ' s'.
6 h 43 min
